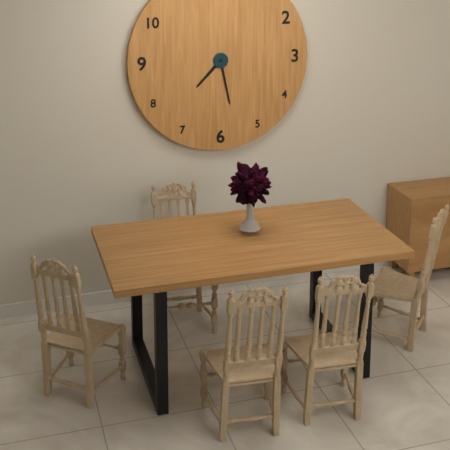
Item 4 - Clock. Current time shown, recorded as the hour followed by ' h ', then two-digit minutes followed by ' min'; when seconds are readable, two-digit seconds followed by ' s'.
7 h 28 min
